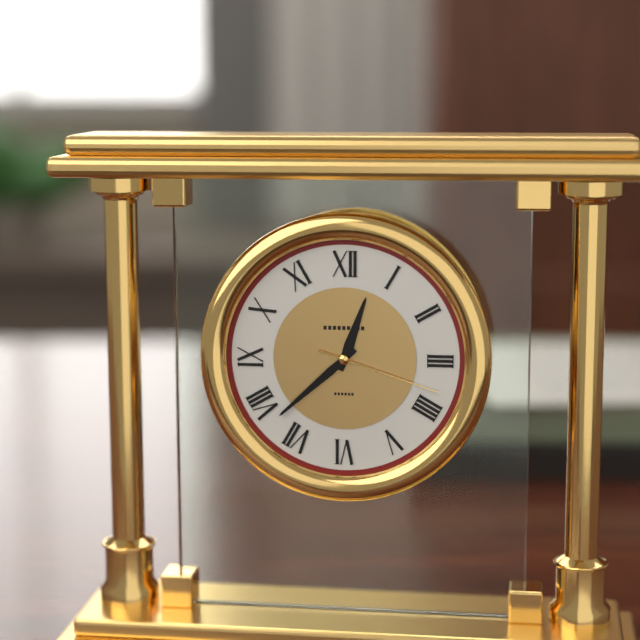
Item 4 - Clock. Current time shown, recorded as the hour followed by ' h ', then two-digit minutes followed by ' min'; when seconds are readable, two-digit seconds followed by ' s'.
12 h 38 min 18 s
